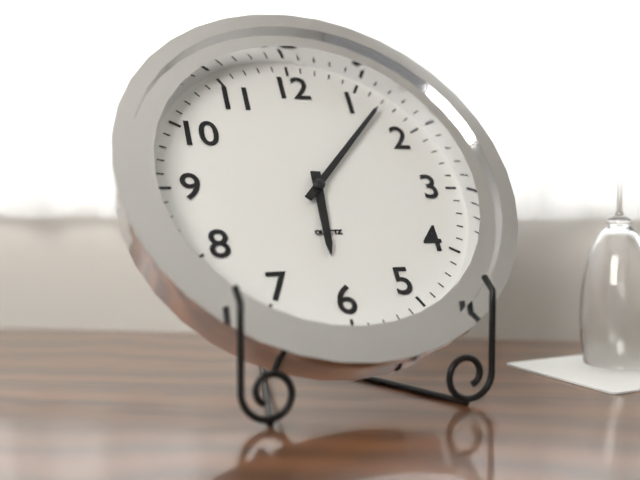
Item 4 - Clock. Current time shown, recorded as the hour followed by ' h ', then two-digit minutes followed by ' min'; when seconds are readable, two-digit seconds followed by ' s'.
6 h 07 min
